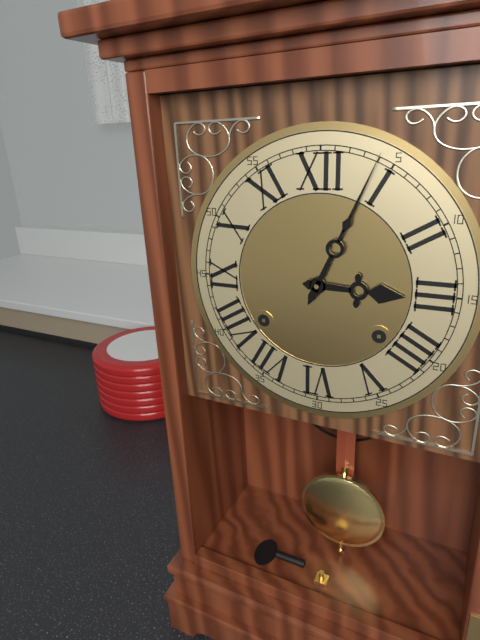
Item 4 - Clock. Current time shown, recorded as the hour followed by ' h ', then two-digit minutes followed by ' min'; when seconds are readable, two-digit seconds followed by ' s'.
3 h 04 min
